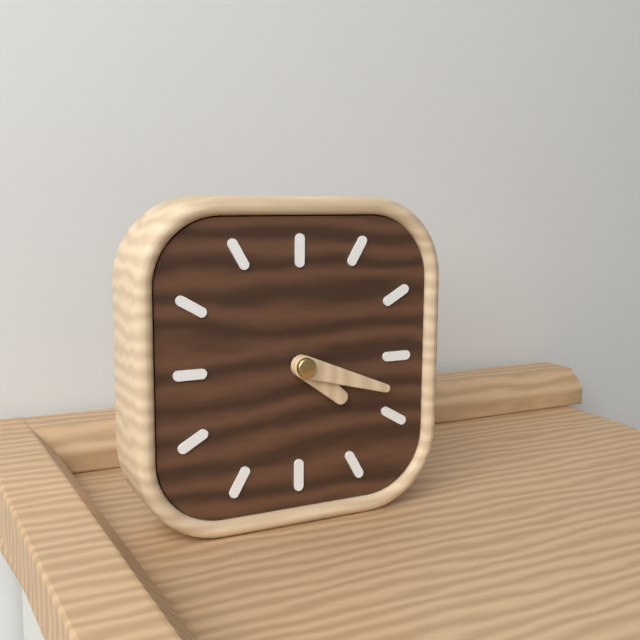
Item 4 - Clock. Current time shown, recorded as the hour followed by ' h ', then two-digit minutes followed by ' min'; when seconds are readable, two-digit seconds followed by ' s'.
4 h 18 min
